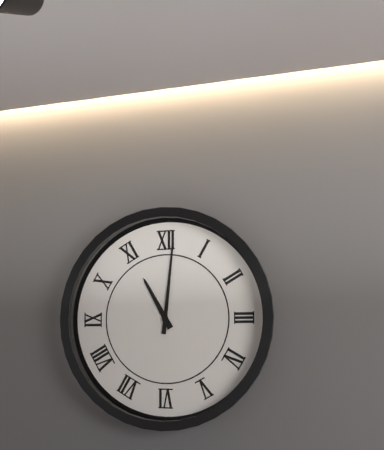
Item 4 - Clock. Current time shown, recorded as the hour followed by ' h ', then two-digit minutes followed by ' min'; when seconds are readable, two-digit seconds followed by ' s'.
11 h 01 min
